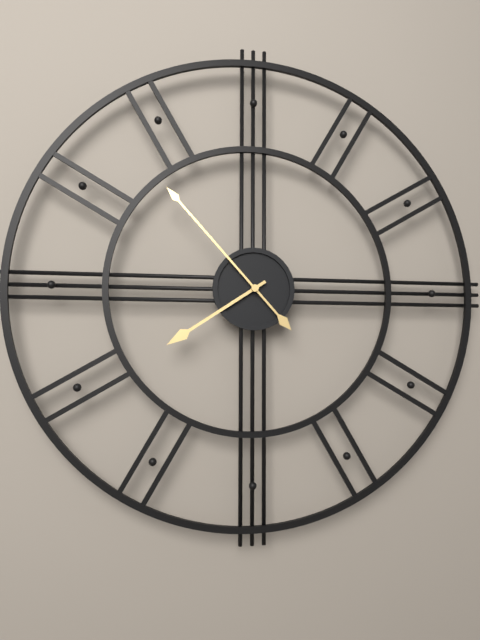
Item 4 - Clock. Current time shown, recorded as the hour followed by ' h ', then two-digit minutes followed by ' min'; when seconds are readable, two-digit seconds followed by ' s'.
7 h 53 min
